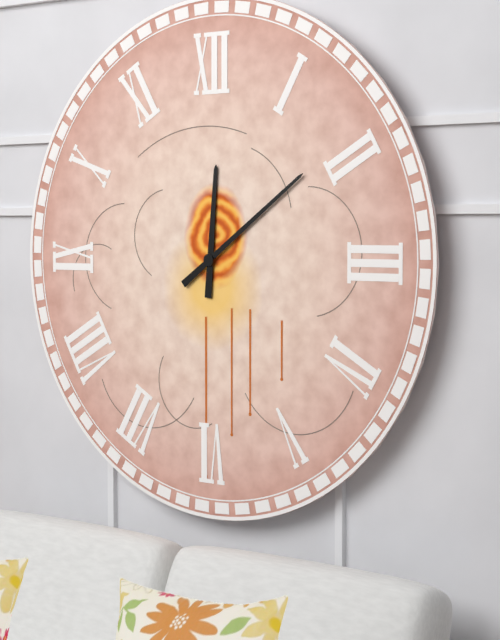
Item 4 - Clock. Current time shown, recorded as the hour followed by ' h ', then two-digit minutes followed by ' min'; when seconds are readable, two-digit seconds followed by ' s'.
12 h 09 min
